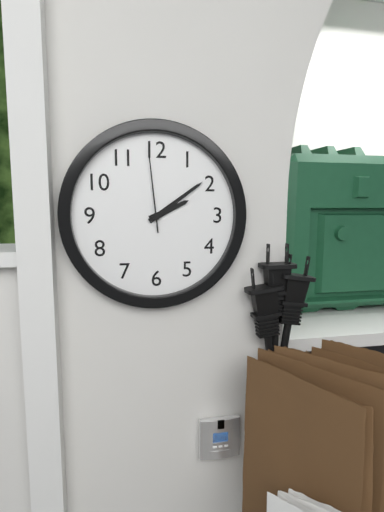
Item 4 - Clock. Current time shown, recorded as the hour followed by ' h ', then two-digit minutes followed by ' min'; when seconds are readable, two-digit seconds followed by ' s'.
2 h 09 min 59 s
